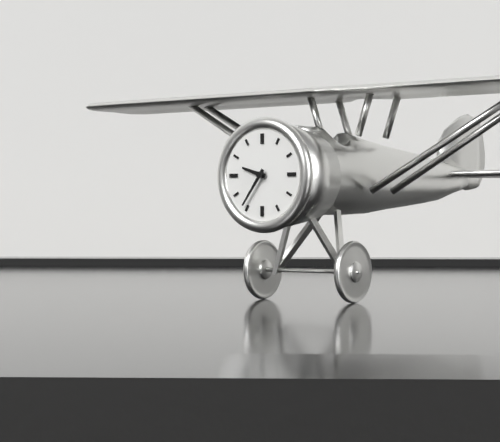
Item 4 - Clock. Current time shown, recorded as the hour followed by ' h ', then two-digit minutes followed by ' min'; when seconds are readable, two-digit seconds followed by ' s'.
9 h 36 min
